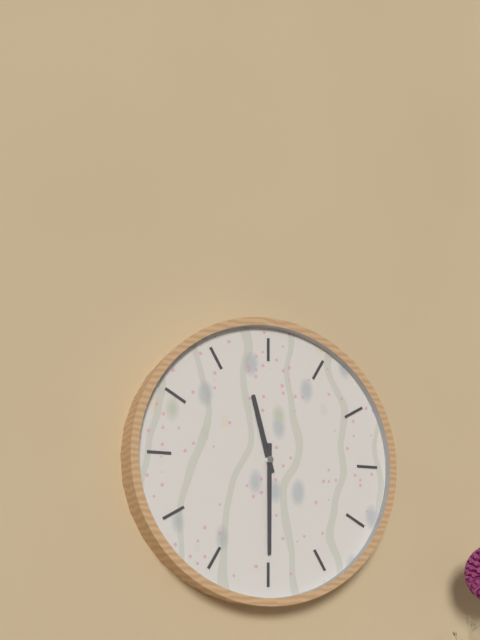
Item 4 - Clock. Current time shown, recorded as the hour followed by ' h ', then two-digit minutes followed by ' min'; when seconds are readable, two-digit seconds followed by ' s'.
11 h 30 min
